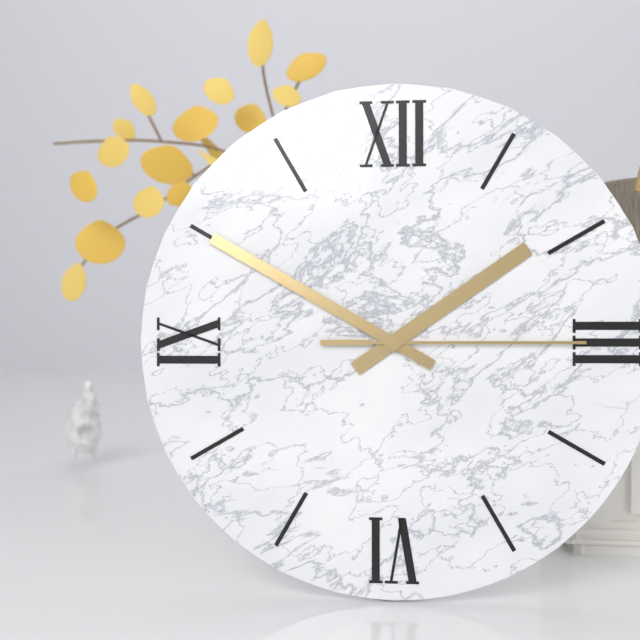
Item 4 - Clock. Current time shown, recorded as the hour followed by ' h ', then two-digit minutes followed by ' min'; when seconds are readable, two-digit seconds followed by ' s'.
1 h 50 min 15 s
